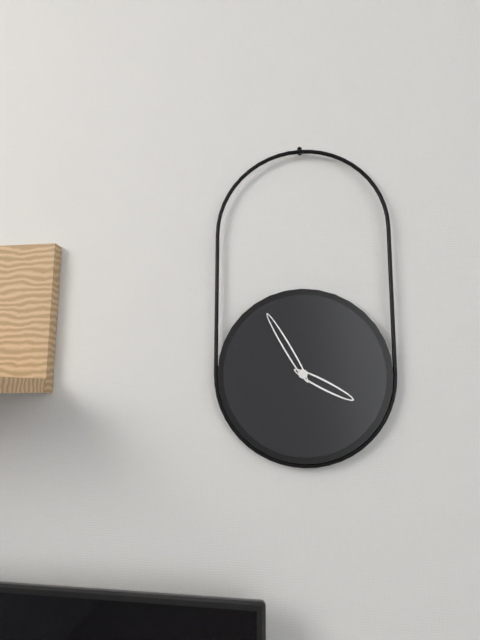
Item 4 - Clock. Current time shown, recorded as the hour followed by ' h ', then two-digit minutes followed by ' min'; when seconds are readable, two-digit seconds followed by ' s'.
3 h 55 min
